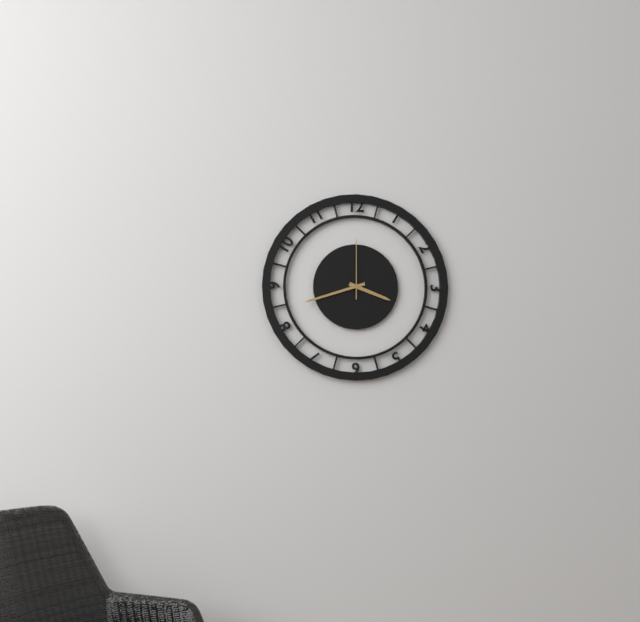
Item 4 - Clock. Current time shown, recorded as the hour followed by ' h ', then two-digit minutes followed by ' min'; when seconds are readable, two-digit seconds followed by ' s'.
3 h 42 min 00 s
